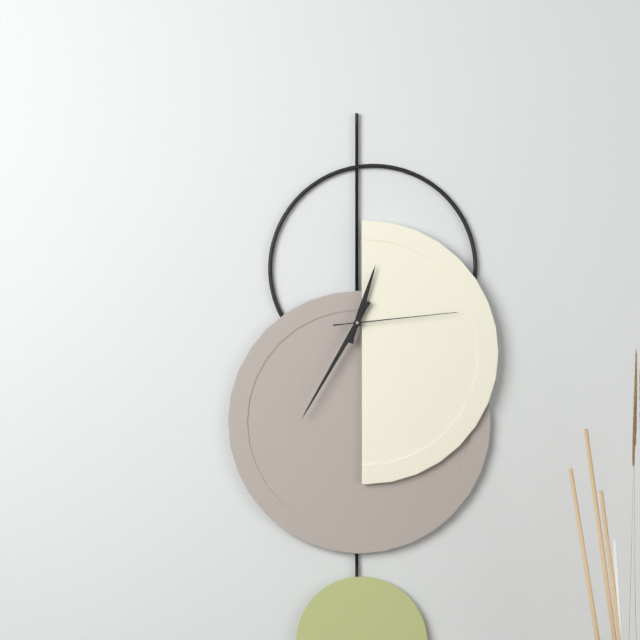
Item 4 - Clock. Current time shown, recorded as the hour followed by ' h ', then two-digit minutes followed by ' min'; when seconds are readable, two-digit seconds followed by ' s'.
12 h 35 min 14 s
